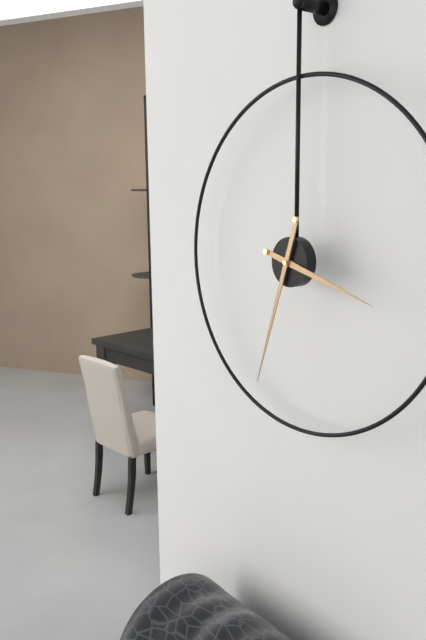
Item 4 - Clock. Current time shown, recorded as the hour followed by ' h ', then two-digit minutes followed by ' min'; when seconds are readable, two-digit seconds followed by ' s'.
3 h 33 min
